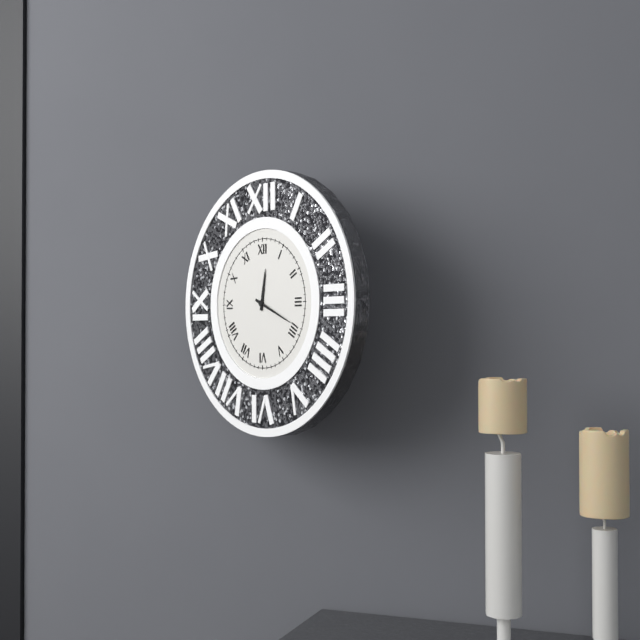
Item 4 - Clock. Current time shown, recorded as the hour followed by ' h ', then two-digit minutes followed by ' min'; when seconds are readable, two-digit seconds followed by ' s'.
12 h 19 min
